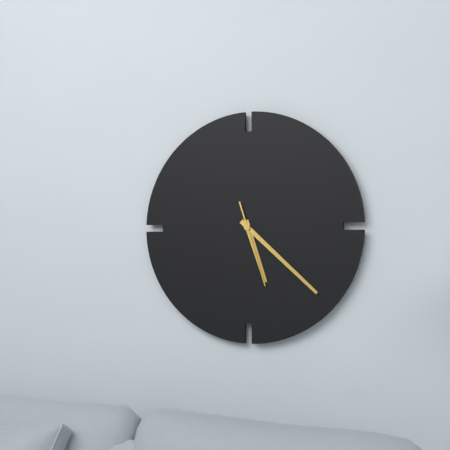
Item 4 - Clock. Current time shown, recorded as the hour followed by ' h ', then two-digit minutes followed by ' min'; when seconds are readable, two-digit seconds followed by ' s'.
5 h 22 min 27 s
